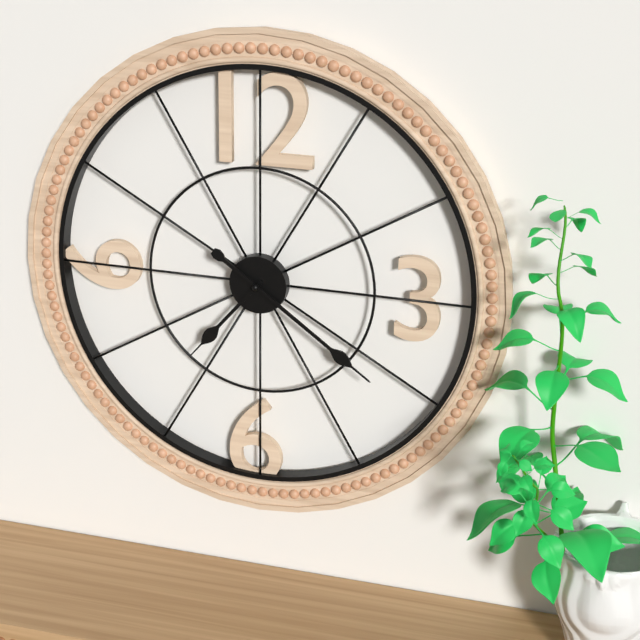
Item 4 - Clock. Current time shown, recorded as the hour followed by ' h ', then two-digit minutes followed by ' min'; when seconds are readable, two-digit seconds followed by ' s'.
7 h 21 min
